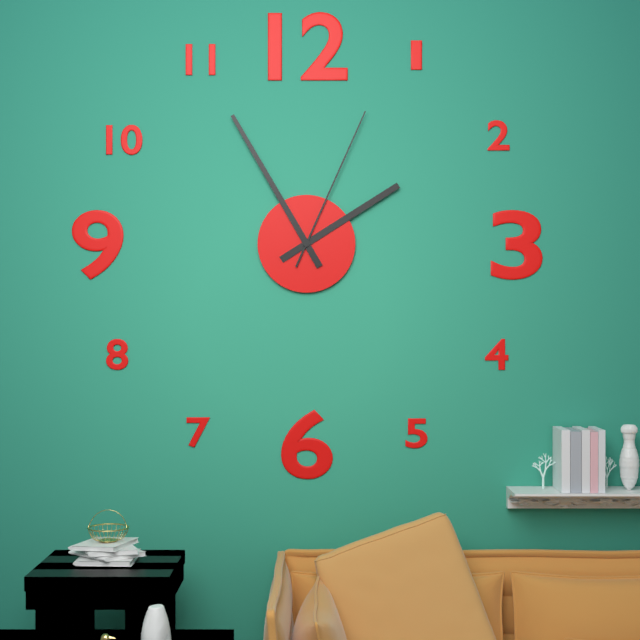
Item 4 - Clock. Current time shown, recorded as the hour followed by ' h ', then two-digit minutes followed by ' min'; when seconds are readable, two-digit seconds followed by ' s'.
1 h 55 min 04 s
